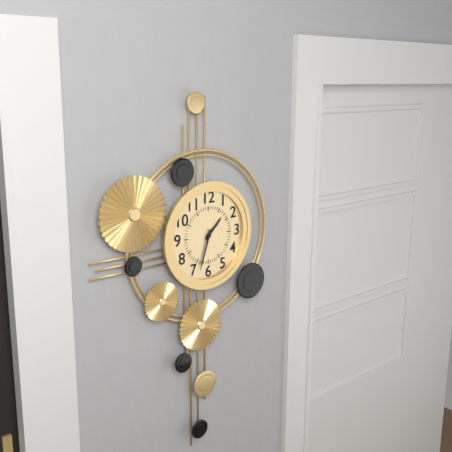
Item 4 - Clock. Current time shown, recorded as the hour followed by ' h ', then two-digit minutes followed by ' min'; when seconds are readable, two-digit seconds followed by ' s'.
1 h 33 min
